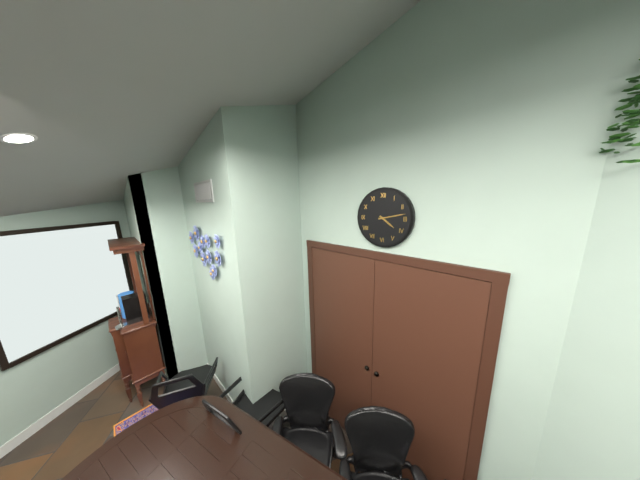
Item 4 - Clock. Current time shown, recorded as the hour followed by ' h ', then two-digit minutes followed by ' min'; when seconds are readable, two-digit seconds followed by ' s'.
4 h 13 min
